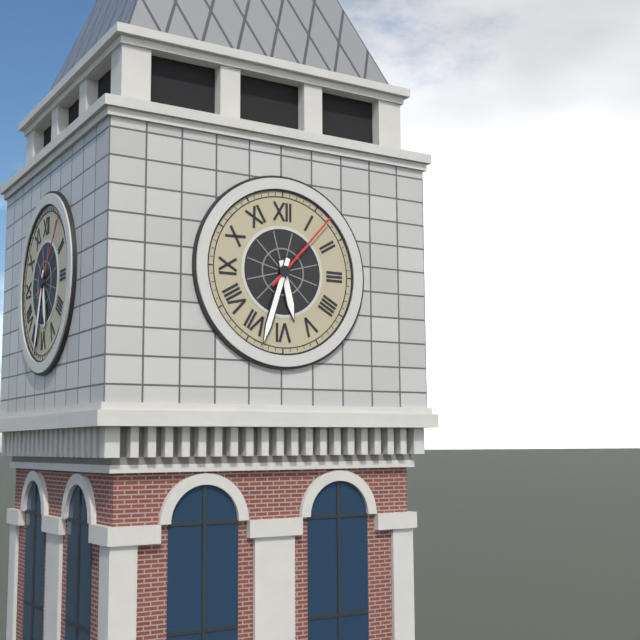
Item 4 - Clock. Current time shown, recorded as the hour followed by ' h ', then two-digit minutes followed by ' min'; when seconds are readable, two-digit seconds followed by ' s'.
5 h 33 min 07 s
